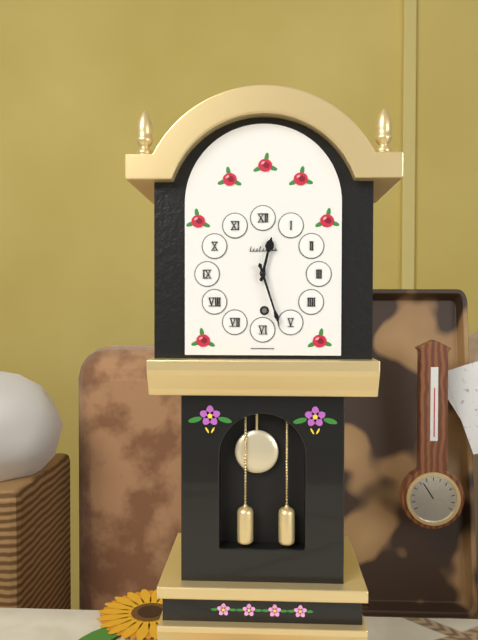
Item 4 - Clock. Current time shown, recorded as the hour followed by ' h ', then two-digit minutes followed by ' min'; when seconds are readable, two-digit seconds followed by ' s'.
12 h 27 min
